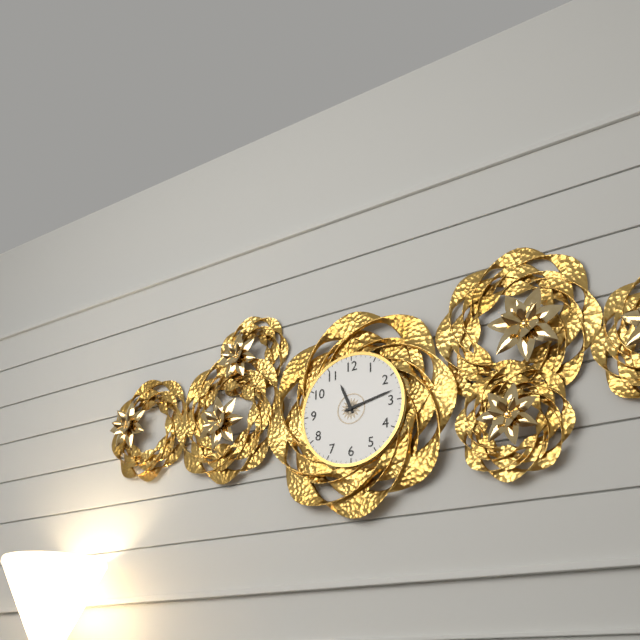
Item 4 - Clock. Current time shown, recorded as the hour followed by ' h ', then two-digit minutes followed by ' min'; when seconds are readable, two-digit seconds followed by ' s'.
11 h 13 min
